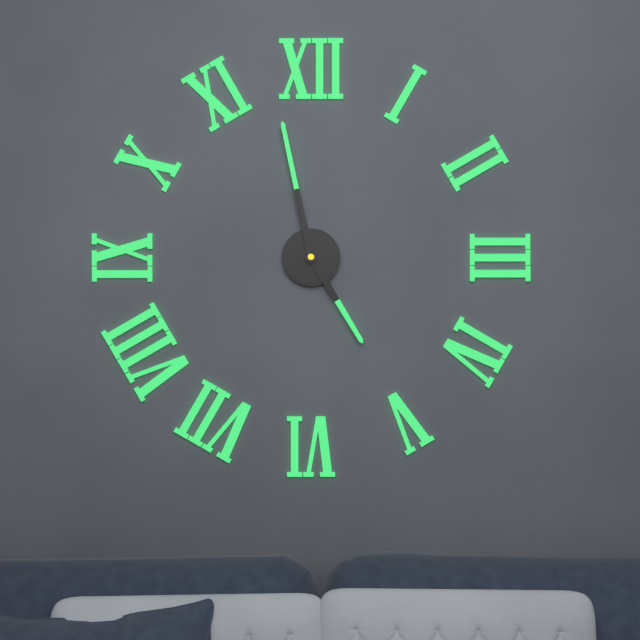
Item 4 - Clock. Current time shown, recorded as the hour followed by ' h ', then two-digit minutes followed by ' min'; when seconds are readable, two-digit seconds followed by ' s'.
4 h 58 min
